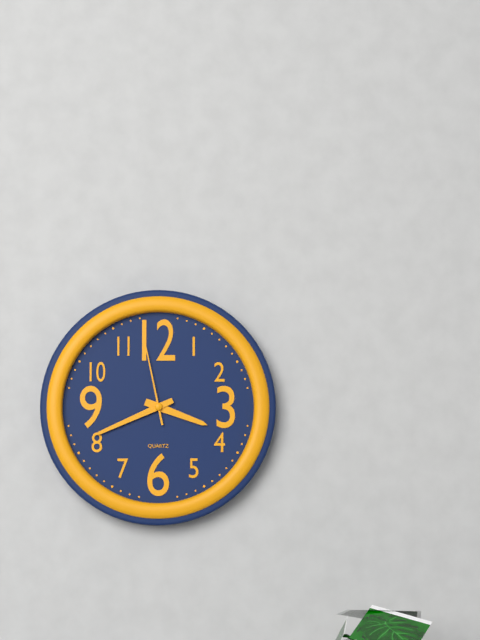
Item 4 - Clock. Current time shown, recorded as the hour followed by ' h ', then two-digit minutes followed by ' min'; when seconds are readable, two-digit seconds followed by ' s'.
3 h 41 min 58 s
